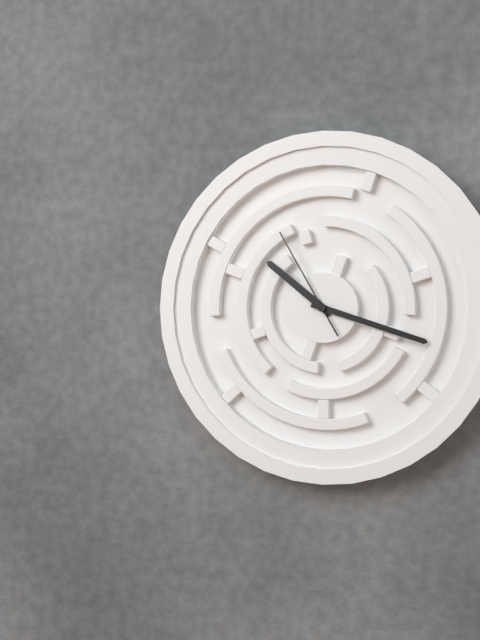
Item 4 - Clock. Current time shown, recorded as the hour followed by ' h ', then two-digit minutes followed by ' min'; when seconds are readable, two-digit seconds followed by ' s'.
10 h 18 min 55 s
